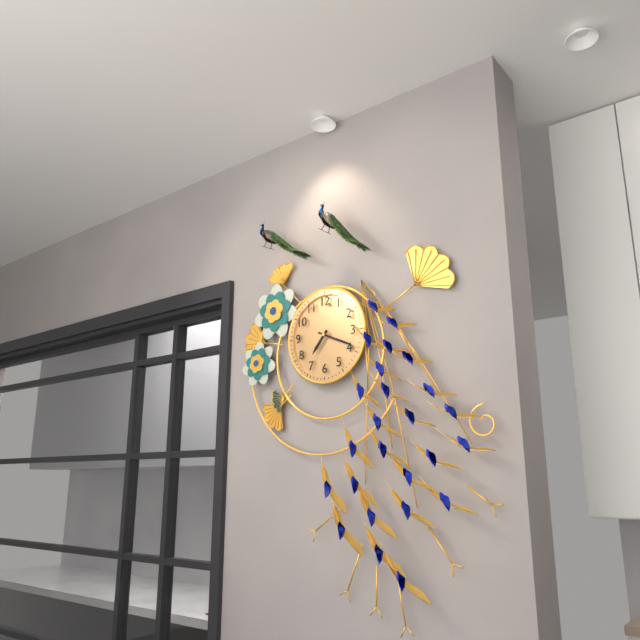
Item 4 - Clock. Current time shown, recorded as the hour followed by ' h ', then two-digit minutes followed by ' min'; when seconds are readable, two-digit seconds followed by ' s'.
7 h 19 min
